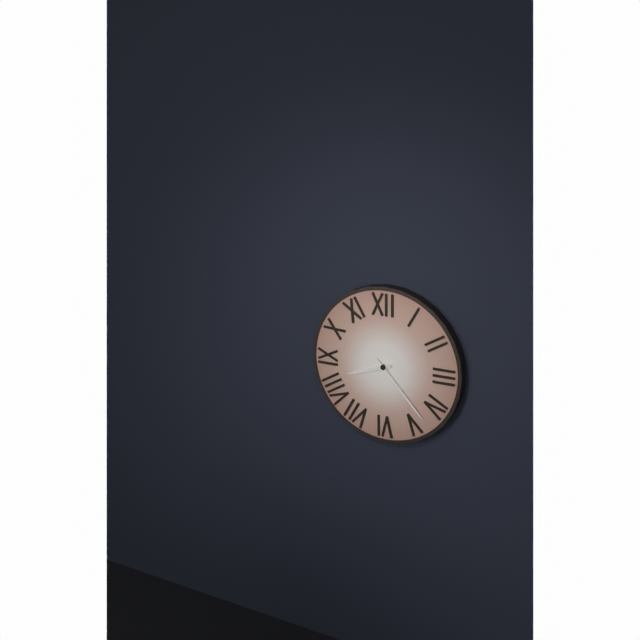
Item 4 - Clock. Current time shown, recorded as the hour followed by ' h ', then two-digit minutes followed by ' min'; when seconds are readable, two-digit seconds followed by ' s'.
8 h 23 min
